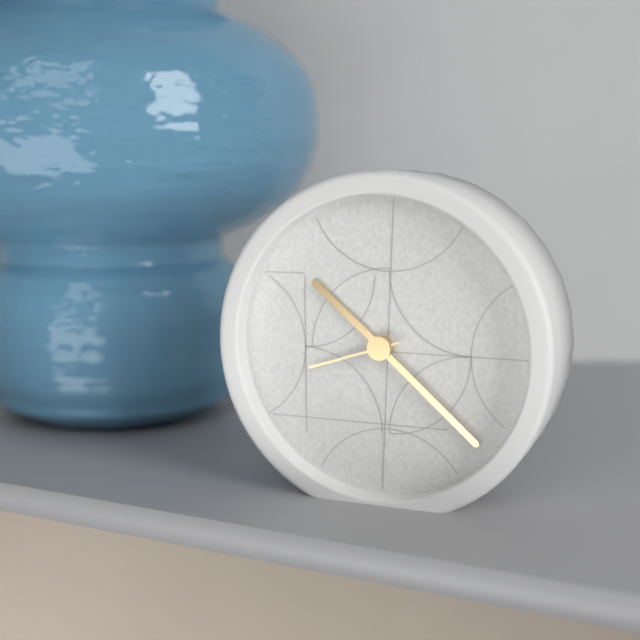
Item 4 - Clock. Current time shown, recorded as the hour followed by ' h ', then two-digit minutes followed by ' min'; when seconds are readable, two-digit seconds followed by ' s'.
10 h 22 min 42 s
